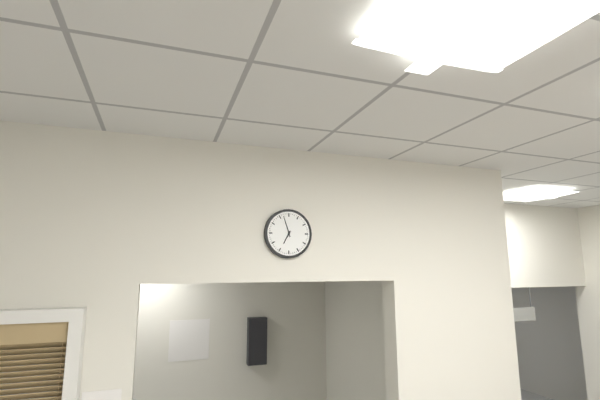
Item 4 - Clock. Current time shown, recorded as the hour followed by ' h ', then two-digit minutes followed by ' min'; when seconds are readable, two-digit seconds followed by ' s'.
6 h 57 min
